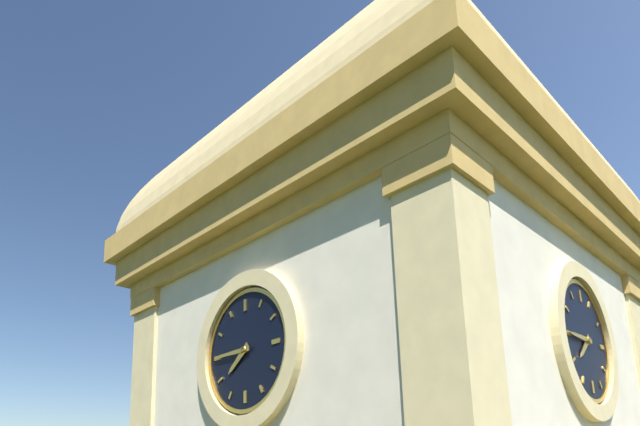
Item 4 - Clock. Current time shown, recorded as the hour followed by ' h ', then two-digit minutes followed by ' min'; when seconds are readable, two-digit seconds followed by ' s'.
7 h 45 min
